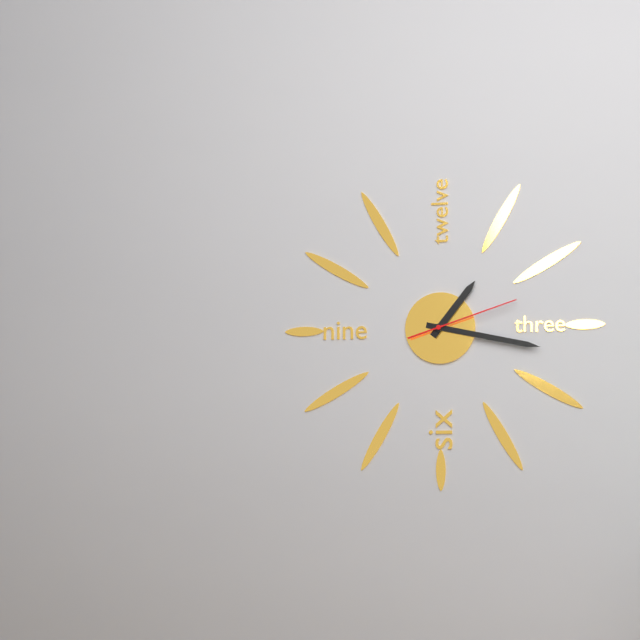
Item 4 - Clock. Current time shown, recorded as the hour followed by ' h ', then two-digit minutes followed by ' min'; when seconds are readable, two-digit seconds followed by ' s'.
1 h 17 min 12 s
